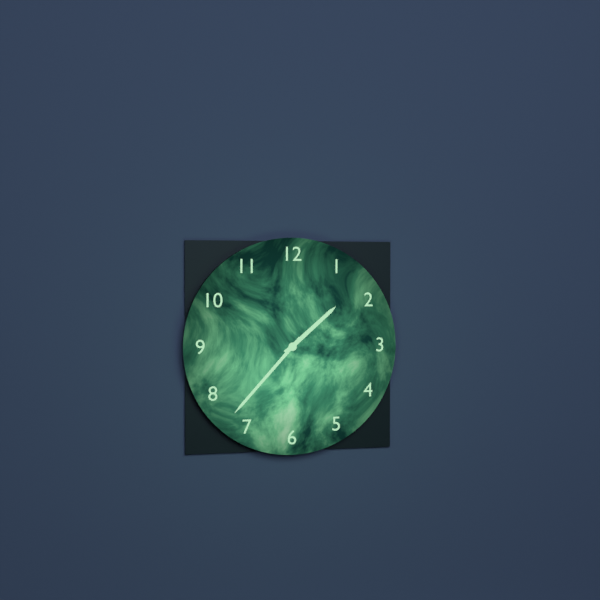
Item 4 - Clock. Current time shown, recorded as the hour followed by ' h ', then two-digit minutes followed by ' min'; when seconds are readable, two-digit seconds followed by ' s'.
1 h 37 min
